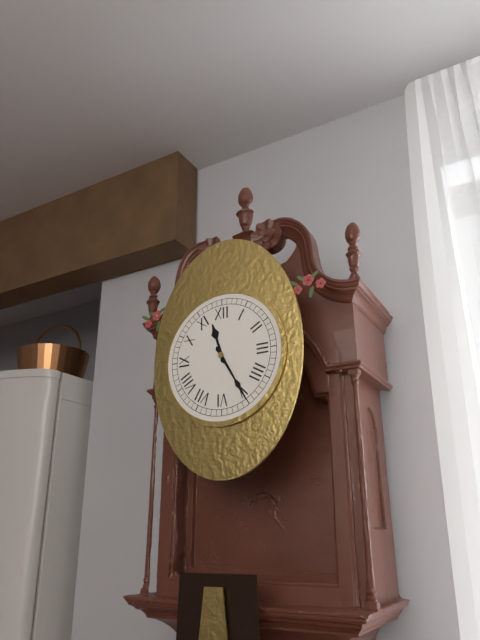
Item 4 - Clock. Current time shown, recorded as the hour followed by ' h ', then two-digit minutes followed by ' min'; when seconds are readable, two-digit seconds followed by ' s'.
11 h 25 min
